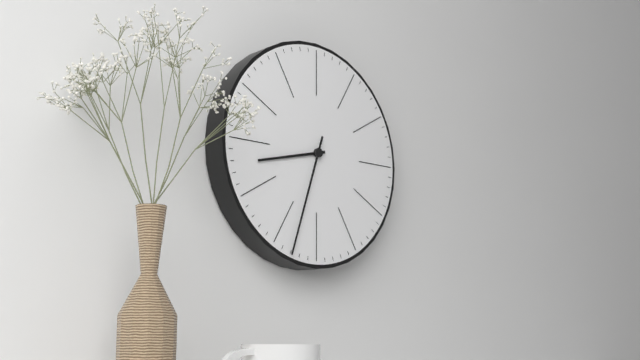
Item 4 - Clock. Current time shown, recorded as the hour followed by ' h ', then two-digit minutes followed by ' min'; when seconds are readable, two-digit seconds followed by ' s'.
8 h 33 min
